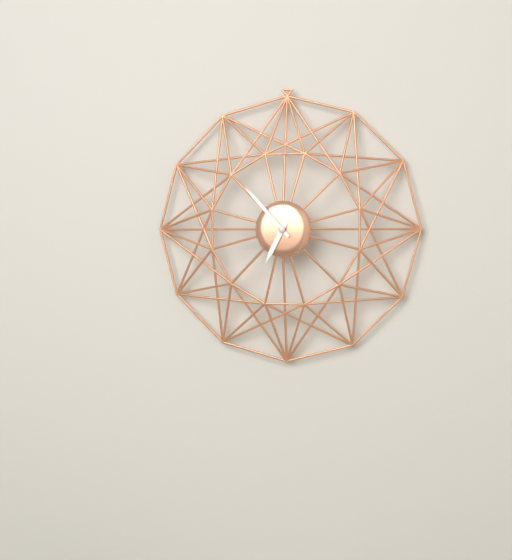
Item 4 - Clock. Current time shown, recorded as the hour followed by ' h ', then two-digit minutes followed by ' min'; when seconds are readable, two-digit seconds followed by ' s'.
6 h 53 min
